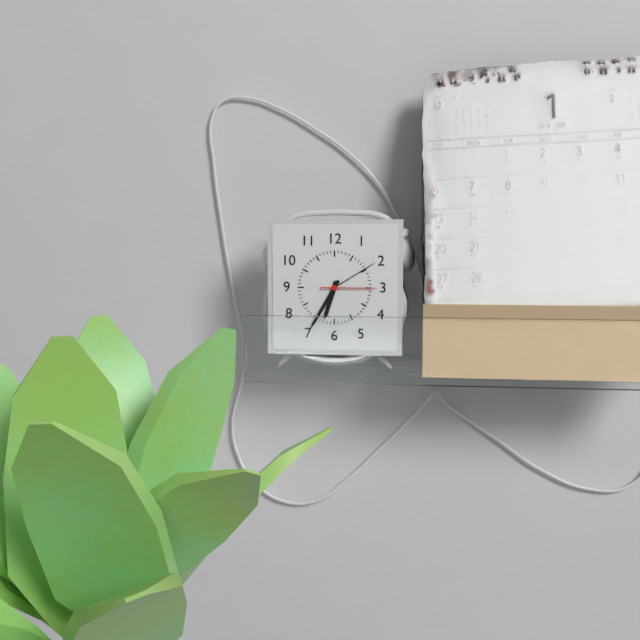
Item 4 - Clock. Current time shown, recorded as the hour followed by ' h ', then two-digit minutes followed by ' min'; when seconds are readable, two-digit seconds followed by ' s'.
6 h 35 min 15 s
